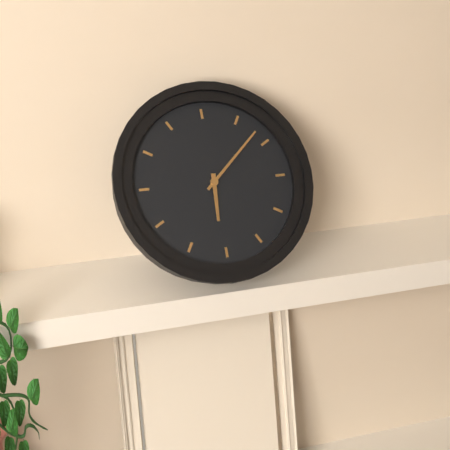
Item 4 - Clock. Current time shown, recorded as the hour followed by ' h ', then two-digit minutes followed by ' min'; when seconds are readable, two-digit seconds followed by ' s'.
6 h 08 min
